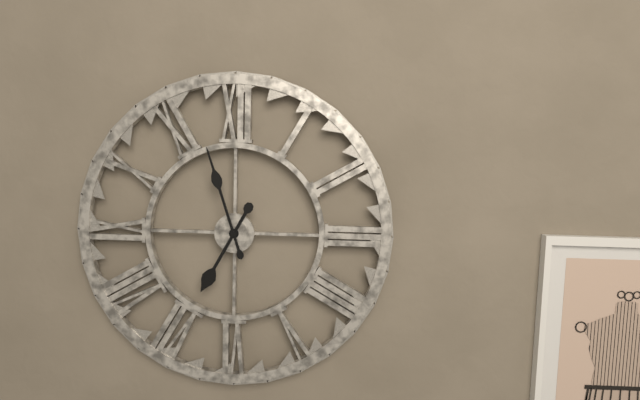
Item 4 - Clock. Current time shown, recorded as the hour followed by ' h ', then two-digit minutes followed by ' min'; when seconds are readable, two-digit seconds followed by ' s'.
6 h 57 min
